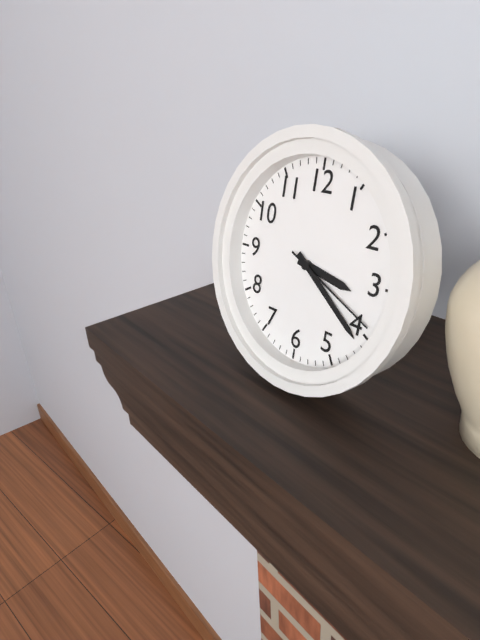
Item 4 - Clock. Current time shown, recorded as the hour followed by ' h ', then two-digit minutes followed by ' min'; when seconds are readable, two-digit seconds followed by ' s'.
3 h 21 min 19 s
